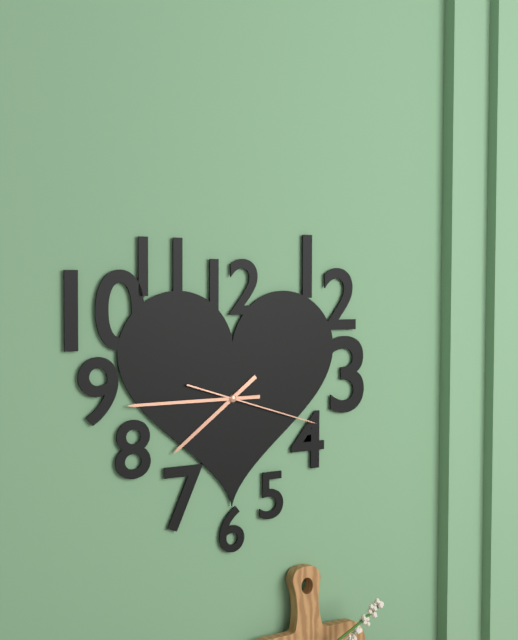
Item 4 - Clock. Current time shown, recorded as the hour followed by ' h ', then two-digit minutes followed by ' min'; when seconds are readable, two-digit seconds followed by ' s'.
7 h 45 min 18 s
